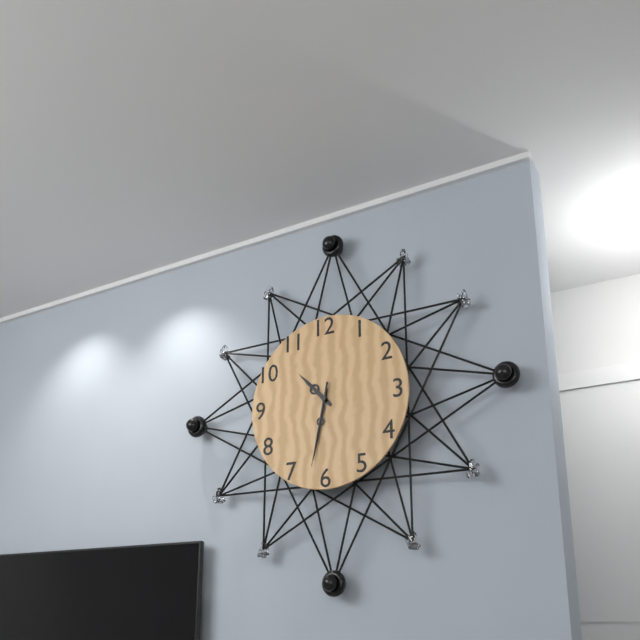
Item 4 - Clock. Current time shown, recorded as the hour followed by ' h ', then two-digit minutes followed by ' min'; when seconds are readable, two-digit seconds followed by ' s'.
10 h 32 min 32 s
